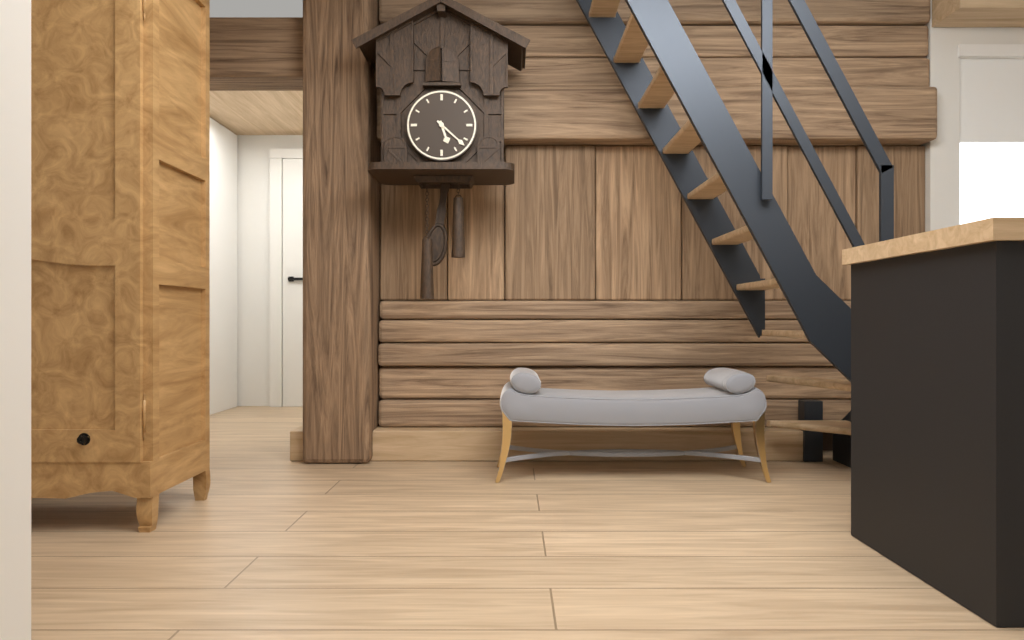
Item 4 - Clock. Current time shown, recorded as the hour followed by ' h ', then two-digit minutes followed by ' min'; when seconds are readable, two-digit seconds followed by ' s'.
5 h 22 min
